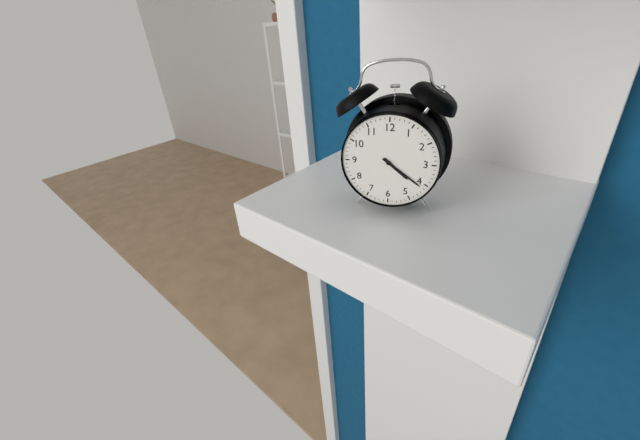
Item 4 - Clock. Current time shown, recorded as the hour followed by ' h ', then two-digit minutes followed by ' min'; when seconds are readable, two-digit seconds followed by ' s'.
4 h 21 min
